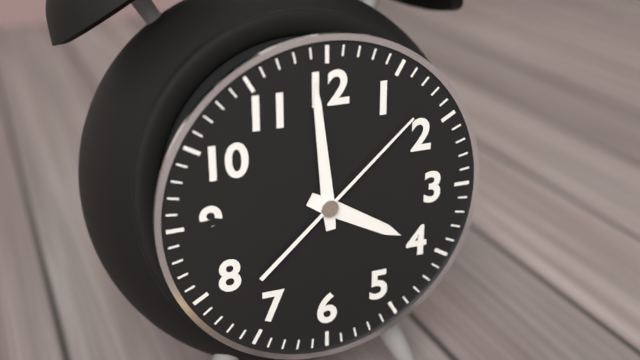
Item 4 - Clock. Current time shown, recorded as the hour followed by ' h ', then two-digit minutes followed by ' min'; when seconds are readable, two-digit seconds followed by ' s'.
3 h 59 min 08 s
